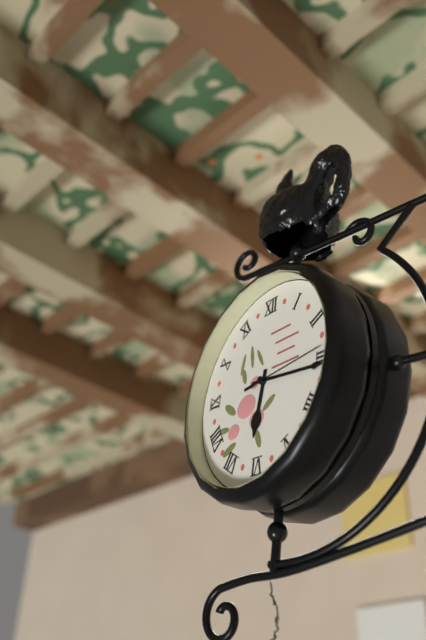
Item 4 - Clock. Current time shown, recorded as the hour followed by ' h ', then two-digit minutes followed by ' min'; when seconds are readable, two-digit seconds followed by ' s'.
6 h 16 min 14 s
